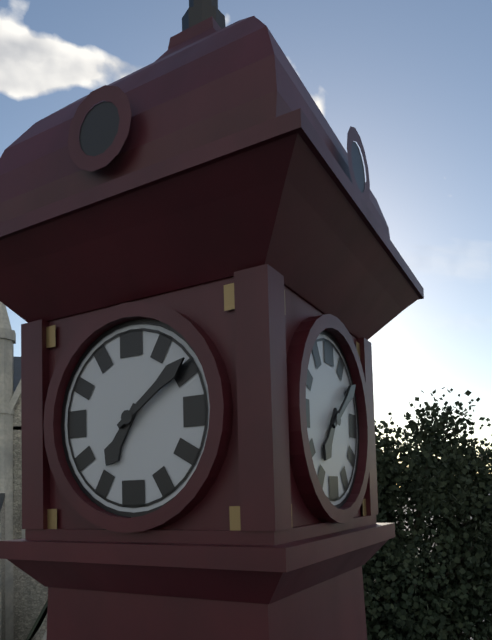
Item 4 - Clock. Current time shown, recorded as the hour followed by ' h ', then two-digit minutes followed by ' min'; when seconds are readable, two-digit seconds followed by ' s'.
7 h 09 min
